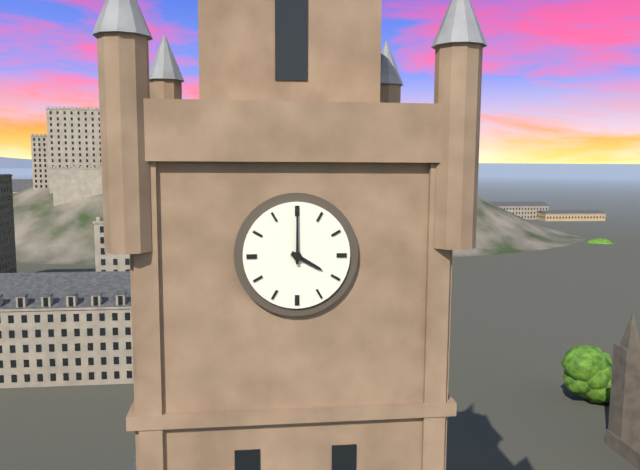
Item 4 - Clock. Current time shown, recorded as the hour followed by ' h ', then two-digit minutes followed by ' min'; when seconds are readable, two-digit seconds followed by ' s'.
4 h 00 min
